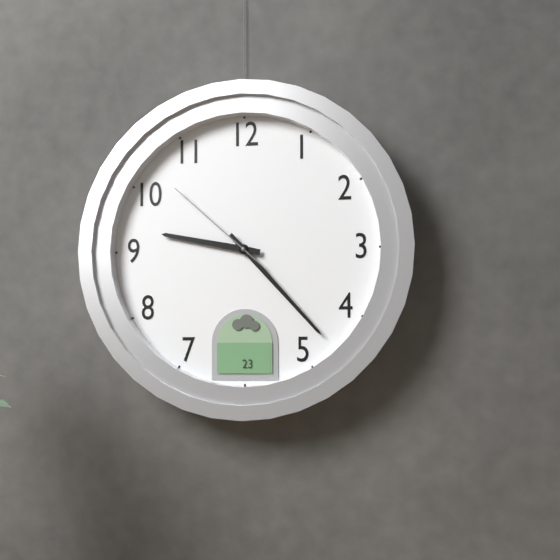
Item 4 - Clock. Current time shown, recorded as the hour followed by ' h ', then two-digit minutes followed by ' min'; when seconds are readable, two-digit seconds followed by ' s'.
9 h 23 min 52 s
